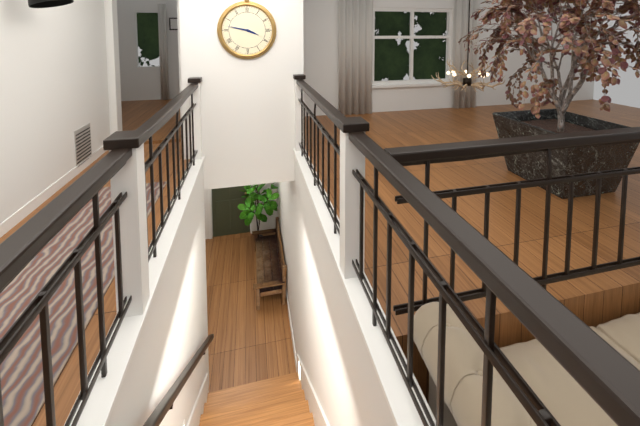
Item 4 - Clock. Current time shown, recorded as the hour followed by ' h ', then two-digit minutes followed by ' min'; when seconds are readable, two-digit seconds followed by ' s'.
3 h 47 min
